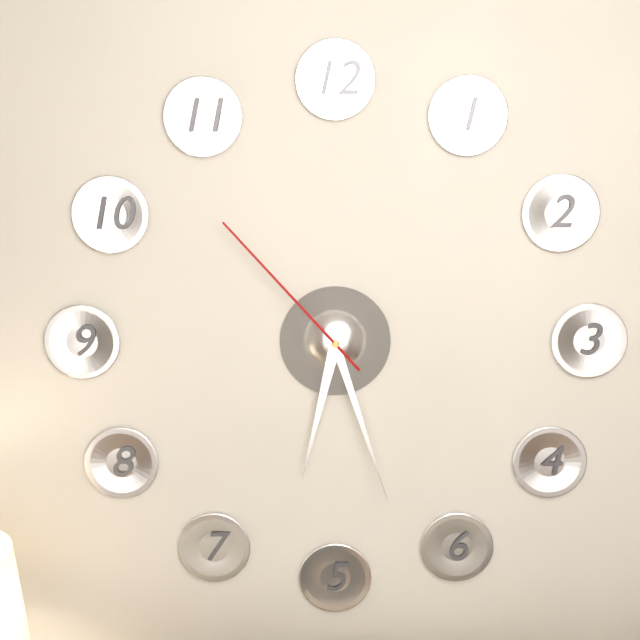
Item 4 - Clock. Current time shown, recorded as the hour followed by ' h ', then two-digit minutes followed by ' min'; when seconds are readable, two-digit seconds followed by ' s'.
6 h 27 min 53 s
